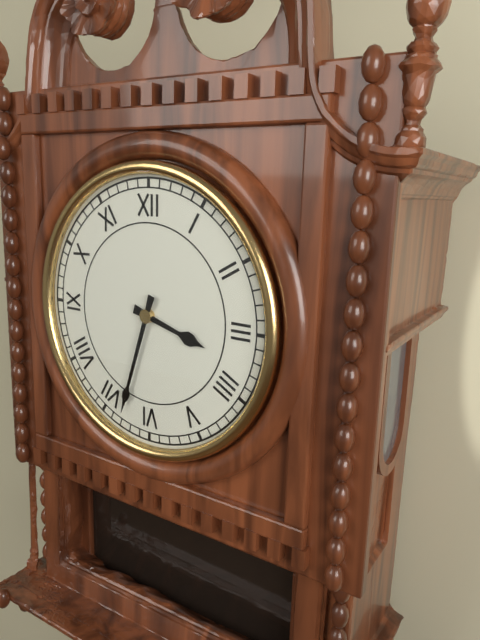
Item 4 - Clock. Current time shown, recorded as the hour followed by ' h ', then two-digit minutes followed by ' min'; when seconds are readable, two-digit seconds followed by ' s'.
3 h 33 min
